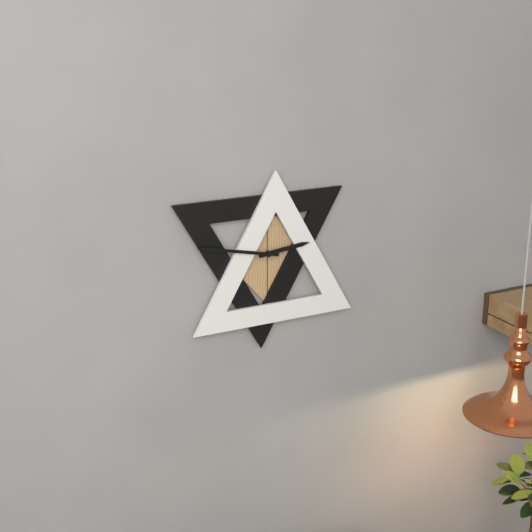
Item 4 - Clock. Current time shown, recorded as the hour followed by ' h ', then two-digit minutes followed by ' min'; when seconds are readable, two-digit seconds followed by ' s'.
2 h 47 min
